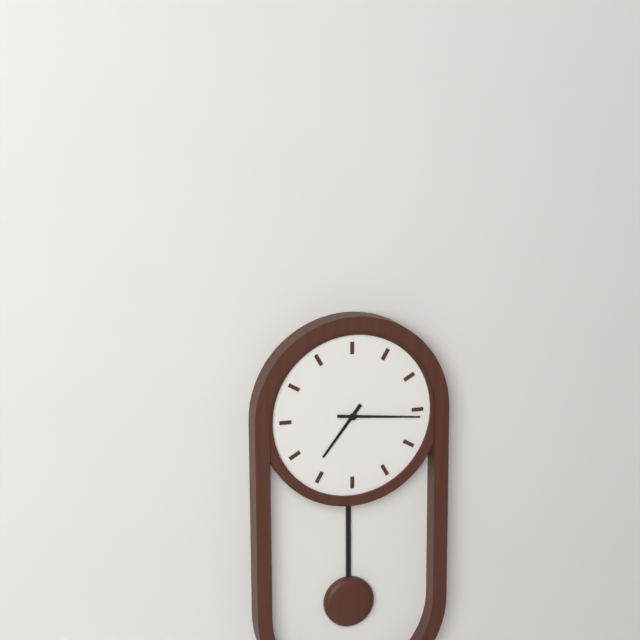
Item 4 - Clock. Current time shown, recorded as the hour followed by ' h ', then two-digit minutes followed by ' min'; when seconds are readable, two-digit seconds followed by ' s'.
7 h 16 min
